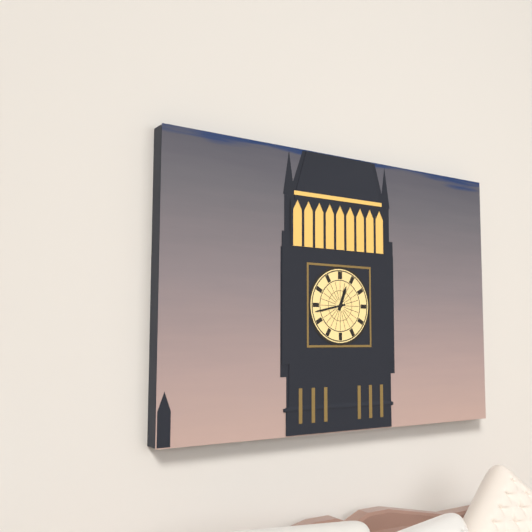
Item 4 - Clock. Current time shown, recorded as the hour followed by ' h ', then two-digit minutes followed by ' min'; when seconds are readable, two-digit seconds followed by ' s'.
12 h 43 min
